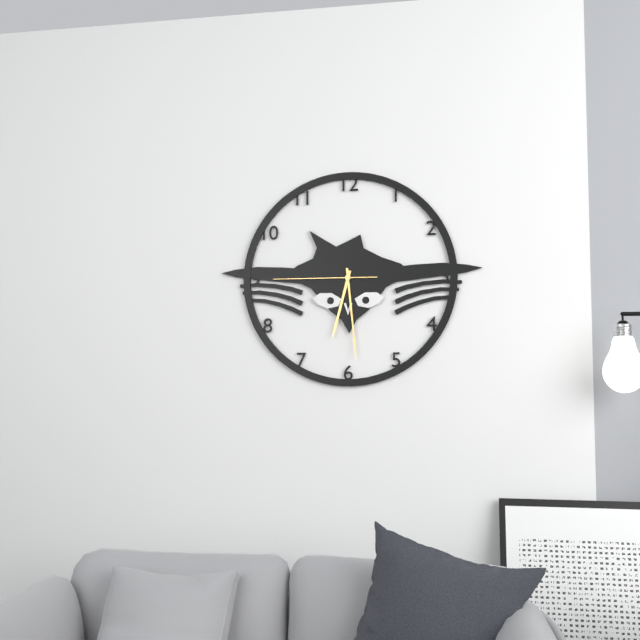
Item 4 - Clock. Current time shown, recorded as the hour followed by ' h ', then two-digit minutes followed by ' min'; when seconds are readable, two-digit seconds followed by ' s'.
6 h 29 min 45 s
